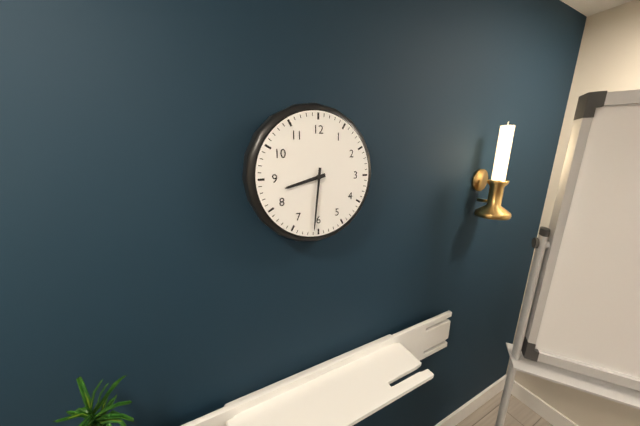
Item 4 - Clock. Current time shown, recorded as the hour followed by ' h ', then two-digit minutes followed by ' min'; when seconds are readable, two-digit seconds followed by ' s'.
8 h 31 min
